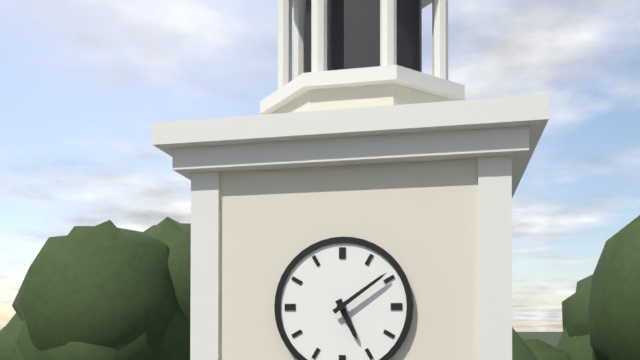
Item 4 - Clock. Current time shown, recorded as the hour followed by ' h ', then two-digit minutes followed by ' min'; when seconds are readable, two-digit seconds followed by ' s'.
5 h 09 min
